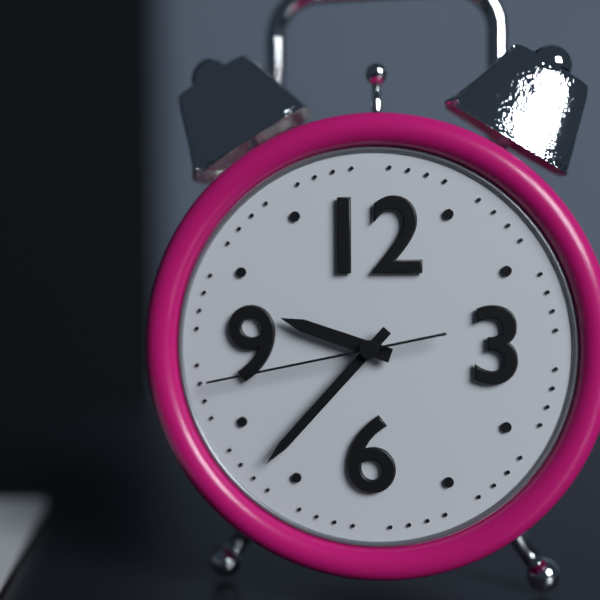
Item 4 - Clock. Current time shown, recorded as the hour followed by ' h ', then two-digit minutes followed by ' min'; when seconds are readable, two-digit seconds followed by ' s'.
9 h 37 min 43 s
